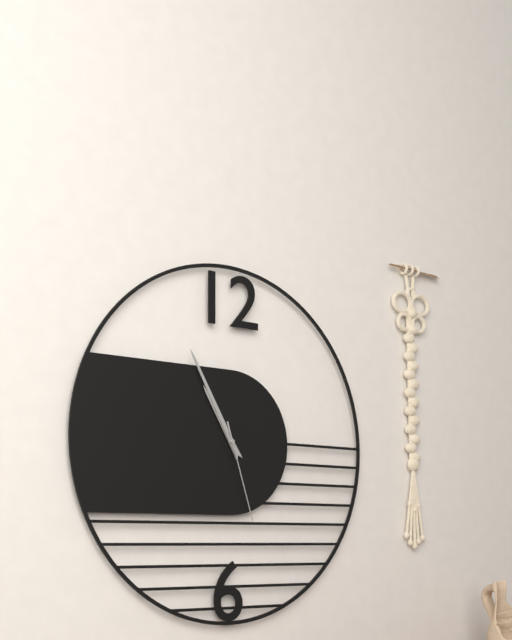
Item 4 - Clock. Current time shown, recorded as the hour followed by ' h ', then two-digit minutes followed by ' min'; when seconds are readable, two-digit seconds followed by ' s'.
10 h 55 min 27 s
